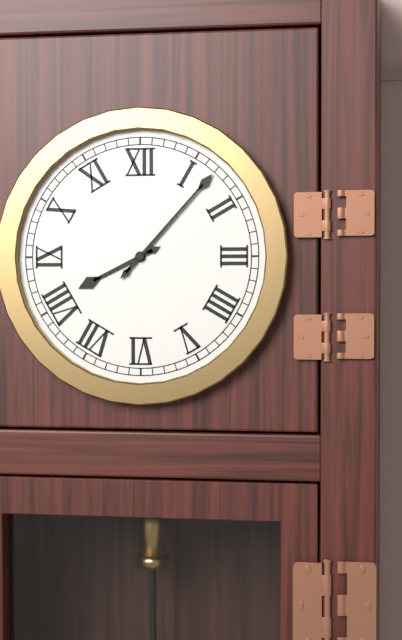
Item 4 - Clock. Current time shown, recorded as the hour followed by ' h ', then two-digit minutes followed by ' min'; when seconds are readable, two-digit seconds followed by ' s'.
8 h 07 min
